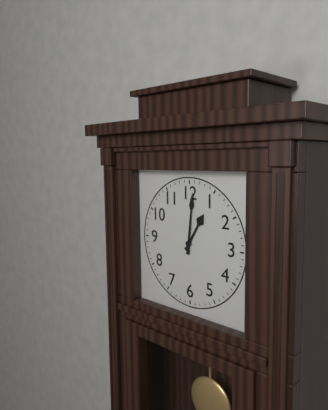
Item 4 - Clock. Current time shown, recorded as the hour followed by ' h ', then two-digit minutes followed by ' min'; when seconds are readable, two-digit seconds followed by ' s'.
1 h 01 min
